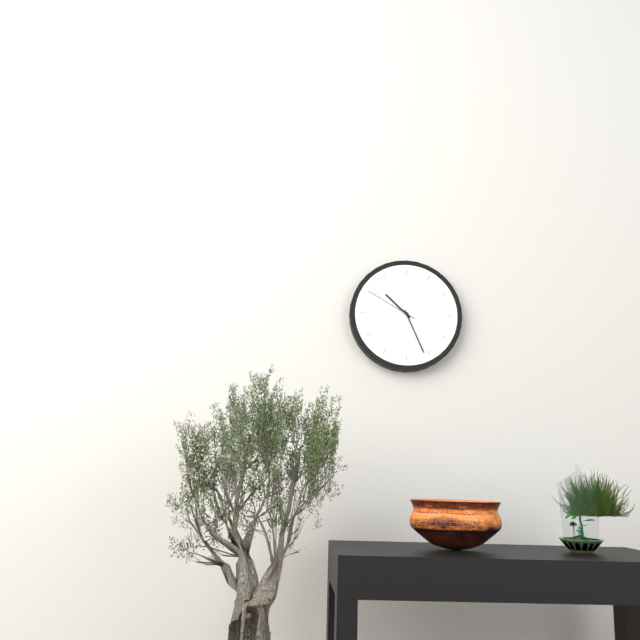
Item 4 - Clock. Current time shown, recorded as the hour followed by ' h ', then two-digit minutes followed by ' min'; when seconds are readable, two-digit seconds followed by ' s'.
10 h 26 min 50 s
